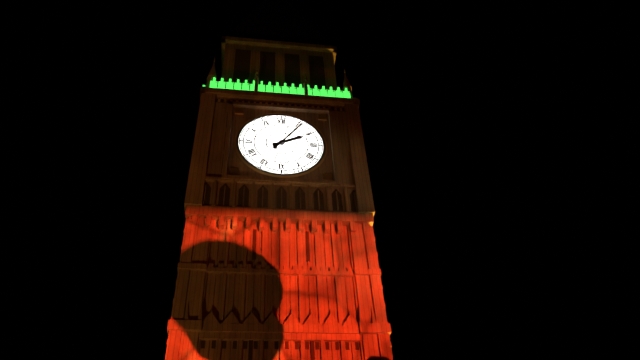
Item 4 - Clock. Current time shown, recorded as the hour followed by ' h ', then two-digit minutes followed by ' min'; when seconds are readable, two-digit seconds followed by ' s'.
2 h 06 min
